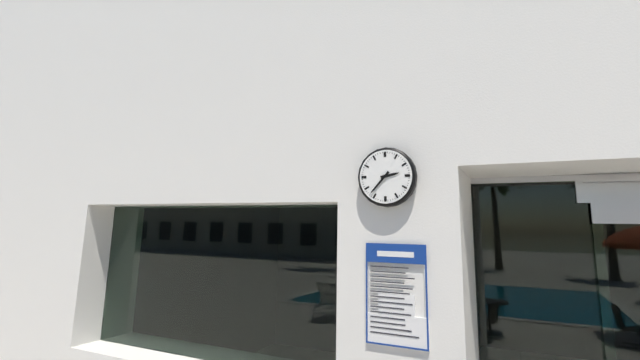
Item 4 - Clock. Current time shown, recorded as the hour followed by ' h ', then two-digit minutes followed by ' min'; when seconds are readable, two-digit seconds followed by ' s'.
2 h 37 min
